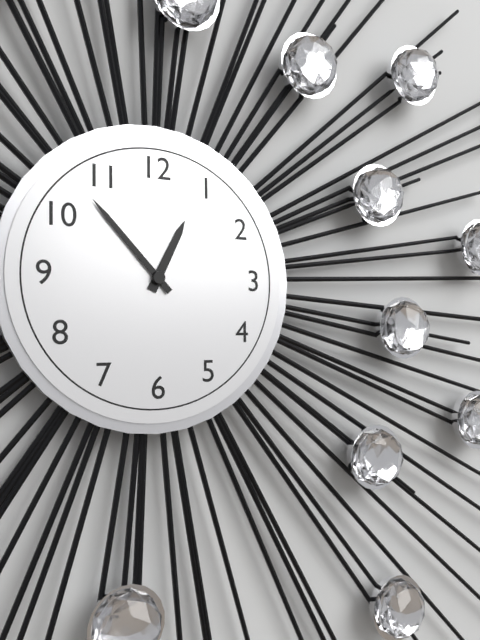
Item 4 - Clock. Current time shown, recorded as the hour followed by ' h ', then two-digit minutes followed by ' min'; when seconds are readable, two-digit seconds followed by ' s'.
12 h 53 min
